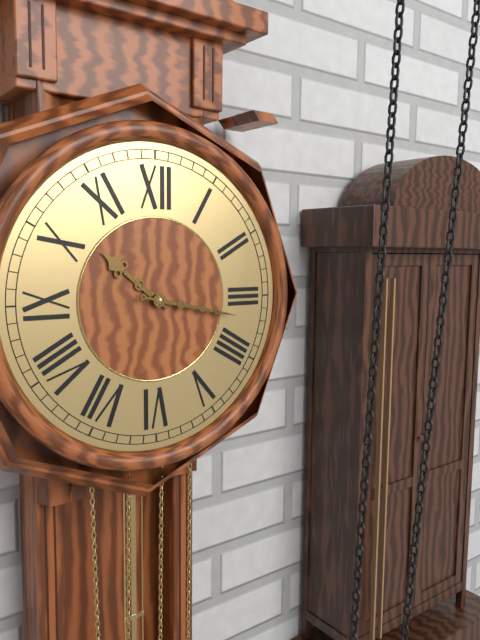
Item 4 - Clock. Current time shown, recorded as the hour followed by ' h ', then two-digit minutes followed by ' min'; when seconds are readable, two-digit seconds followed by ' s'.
10 h 17 min
